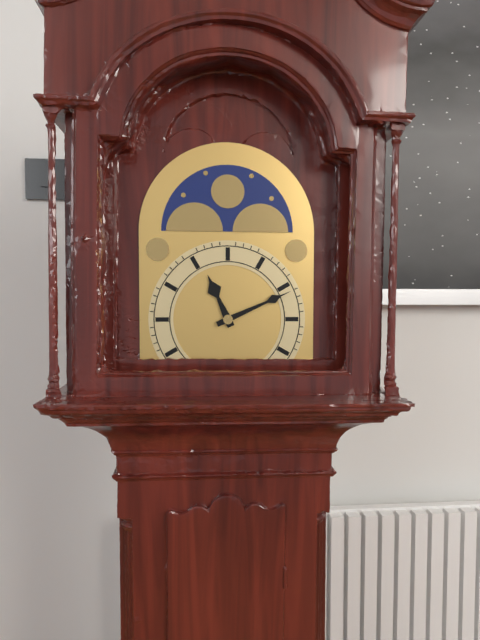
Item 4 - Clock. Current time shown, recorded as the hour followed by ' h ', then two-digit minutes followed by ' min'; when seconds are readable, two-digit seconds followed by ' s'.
11 h 11 min
